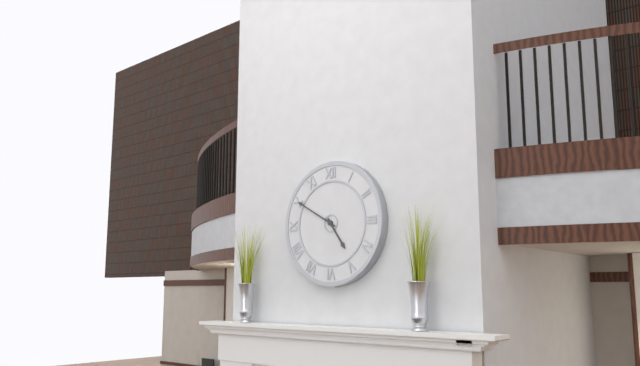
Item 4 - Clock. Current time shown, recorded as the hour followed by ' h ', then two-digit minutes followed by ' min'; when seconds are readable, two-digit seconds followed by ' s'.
4 h 50 min
